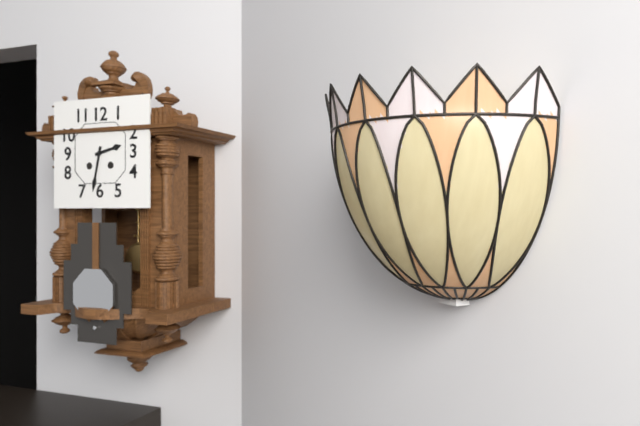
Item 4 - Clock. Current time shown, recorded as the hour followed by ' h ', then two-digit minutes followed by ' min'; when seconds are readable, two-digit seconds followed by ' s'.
2 h 32 min
